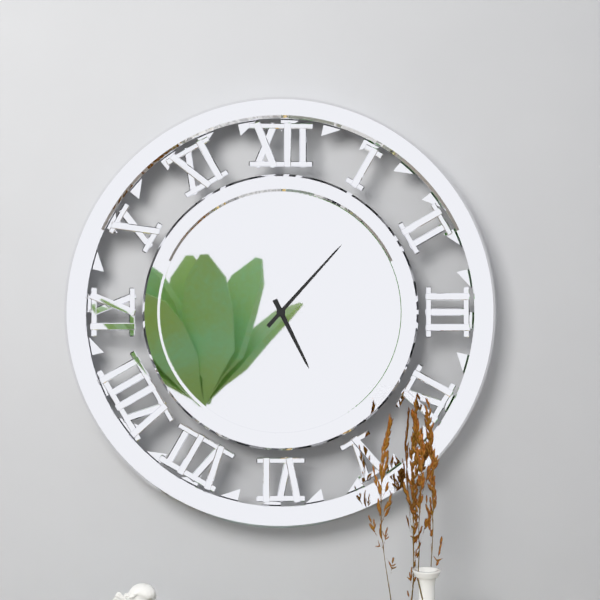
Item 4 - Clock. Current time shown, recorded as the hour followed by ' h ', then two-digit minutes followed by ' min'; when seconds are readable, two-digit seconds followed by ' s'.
5 h 07 min
